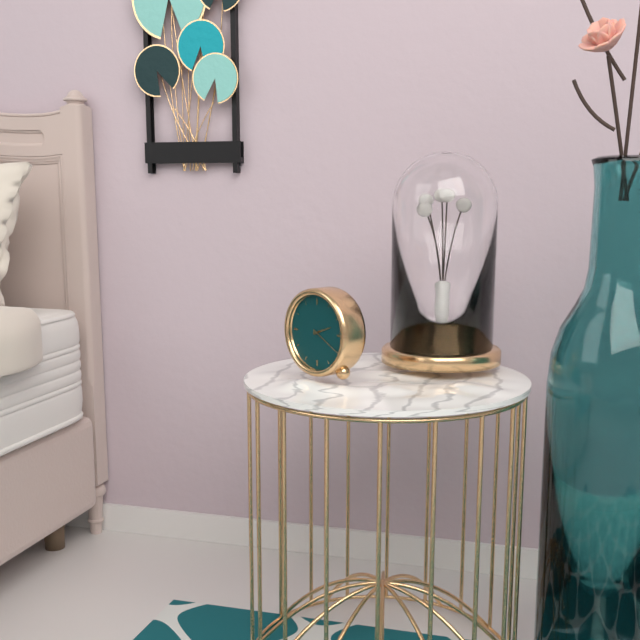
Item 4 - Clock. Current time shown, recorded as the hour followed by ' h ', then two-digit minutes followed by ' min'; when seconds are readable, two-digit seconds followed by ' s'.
2 h 20 min
